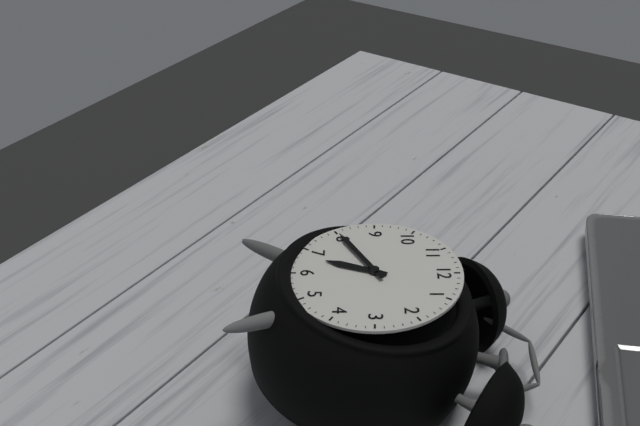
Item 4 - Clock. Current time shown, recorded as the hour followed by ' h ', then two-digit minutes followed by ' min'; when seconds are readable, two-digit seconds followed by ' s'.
6 h 40 min
